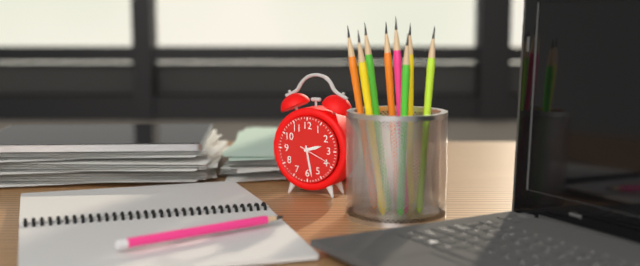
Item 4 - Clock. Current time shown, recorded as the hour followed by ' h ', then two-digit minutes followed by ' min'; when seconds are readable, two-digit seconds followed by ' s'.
2 h 28 min
